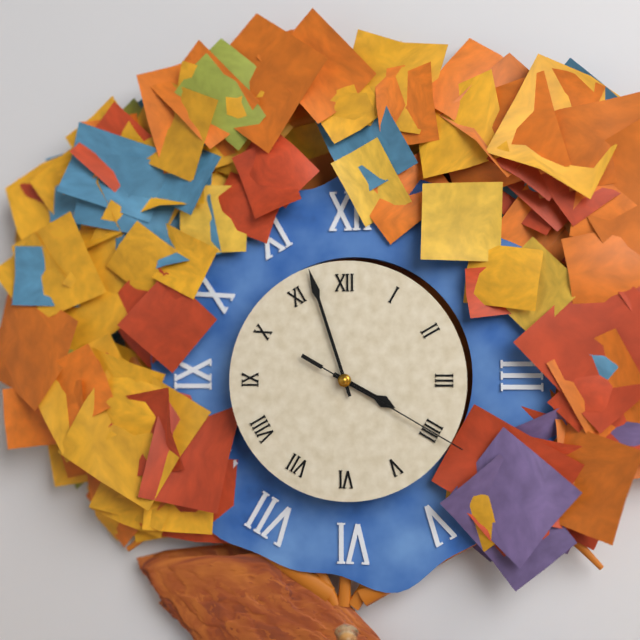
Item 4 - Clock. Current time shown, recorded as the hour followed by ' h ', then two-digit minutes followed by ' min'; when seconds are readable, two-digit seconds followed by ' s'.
3 h 57 min 20 s
